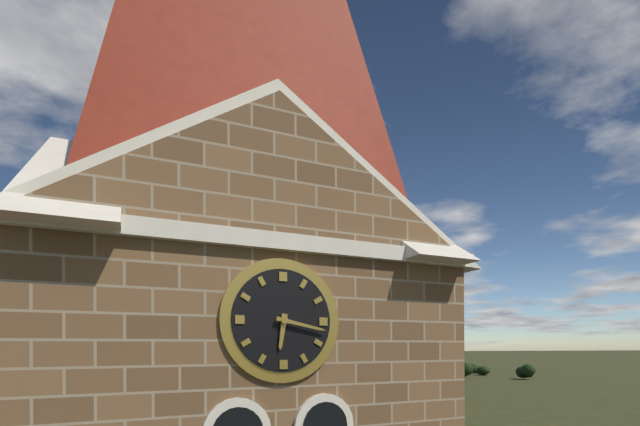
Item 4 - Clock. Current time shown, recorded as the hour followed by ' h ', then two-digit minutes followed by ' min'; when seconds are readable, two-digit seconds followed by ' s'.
6 h 17 min
